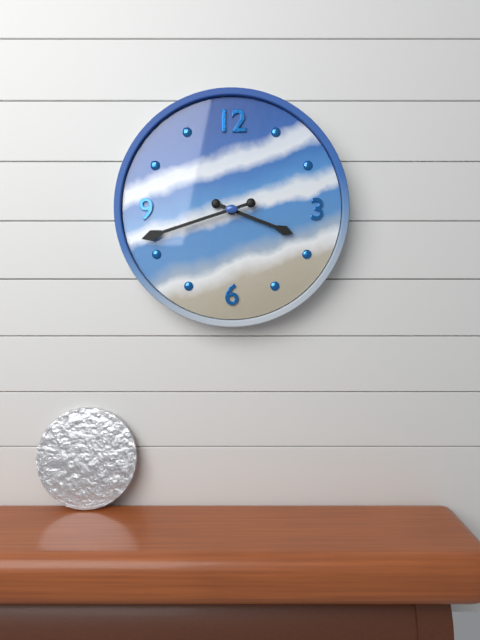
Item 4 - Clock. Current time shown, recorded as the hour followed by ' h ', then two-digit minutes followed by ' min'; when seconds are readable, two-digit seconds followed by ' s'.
3 h 42 min
